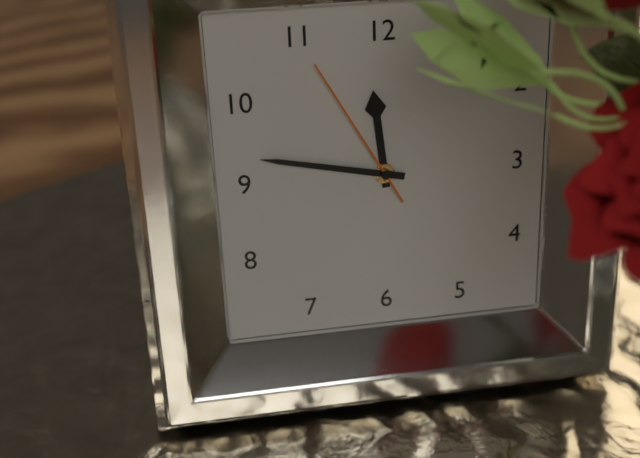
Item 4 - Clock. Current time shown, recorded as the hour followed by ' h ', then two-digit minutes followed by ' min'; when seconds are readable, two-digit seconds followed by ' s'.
11 h 47 min 55 s
